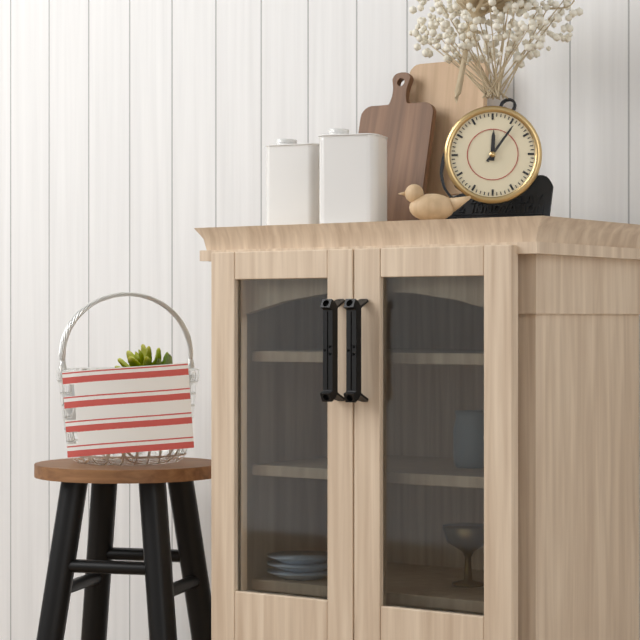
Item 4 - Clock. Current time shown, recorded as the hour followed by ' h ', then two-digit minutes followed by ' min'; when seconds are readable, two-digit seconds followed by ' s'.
12 h 06 min
